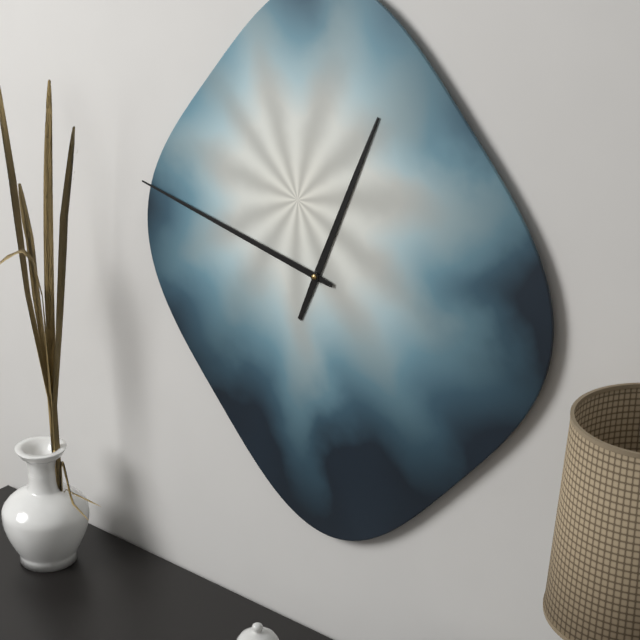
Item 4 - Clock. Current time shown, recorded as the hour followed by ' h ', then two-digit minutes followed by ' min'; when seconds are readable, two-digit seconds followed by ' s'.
12 h 47 min
